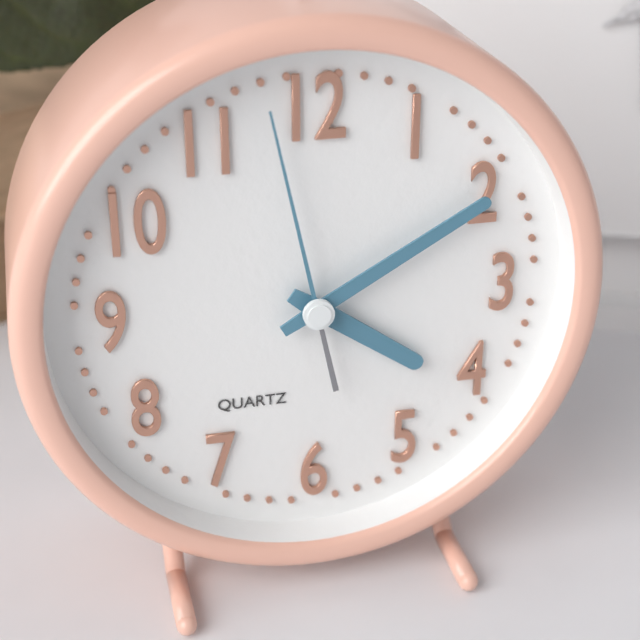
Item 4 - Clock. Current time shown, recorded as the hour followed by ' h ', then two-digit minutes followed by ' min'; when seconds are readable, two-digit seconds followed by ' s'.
4 h 10 min 58 s
